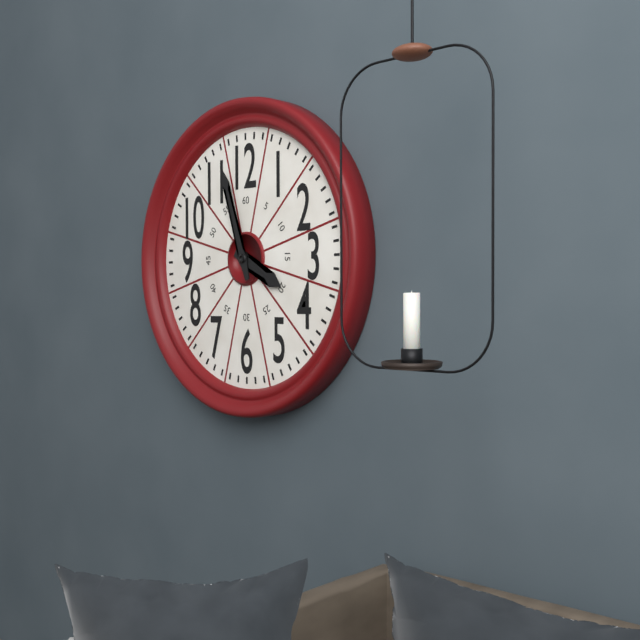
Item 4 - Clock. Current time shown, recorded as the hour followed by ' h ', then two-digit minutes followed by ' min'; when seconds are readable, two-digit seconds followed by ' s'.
3 h 57 min
